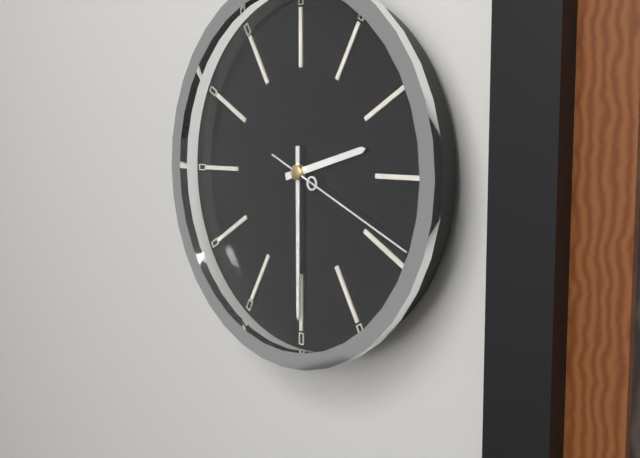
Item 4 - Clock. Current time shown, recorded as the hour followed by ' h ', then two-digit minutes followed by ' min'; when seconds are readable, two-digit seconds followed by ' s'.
2 h 30 min 19 s
